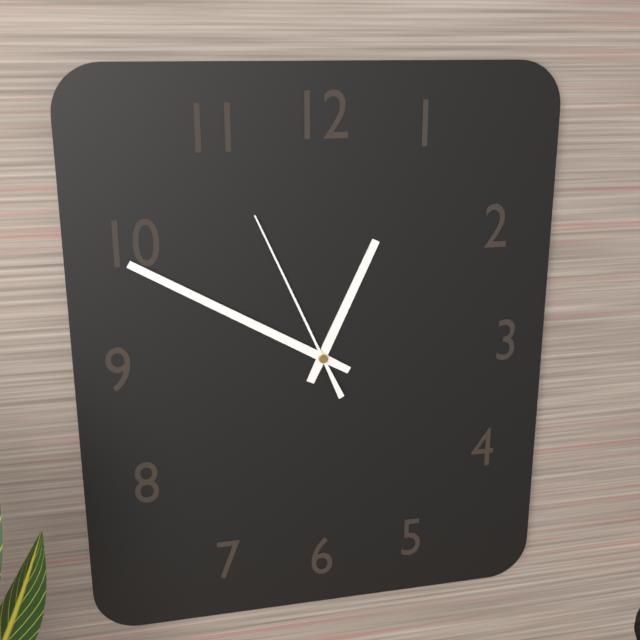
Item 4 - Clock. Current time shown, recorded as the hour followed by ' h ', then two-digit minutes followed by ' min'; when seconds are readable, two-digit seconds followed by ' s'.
12 h 50 min 56 s
